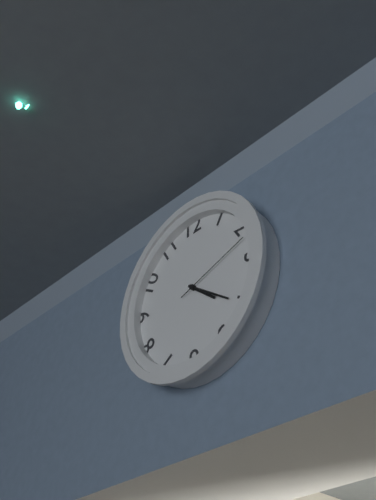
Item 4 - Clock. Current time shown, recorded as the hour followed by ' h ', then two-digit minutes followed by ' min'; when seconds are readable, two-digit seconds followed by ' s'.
4 h 21 min 12 s
